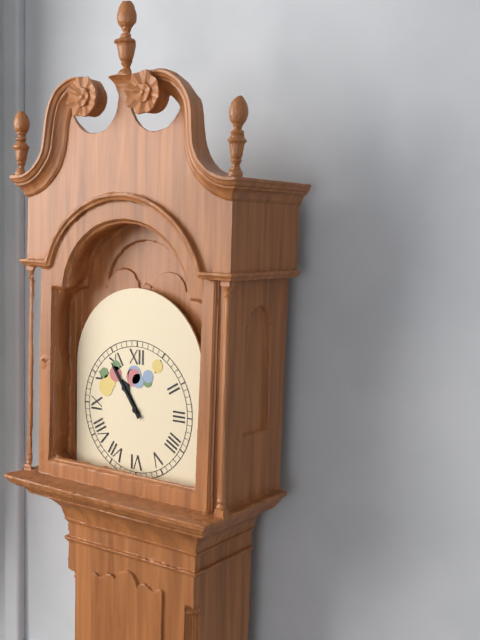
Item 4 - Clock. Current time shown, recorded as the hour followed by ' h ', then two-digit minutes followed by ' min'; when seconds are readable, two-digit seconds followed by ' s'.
10 h 54 min
